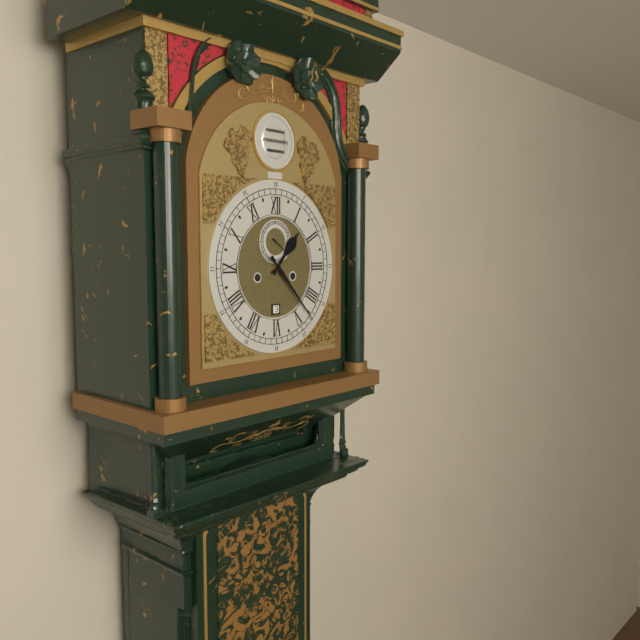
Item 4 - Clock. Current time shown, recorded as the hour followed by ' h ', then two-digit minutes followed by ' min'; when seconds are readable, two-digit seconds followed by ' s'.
1 h 23 min
